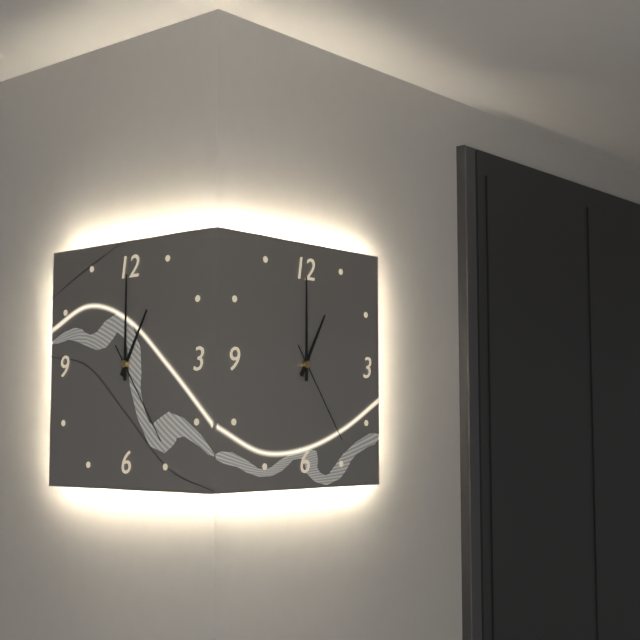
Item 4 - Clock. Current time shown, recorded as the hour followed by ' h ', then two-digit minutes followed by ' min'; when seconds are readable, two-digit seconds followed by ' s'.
1 h 00 min 24 s
